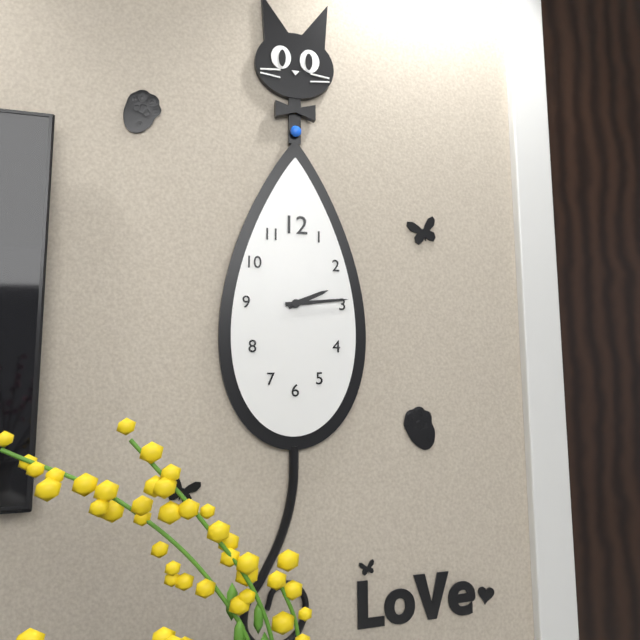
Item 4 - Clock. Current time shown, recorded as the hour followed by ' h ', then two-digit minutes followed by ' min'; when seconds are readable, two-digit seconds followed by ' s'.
2 h 14 min
